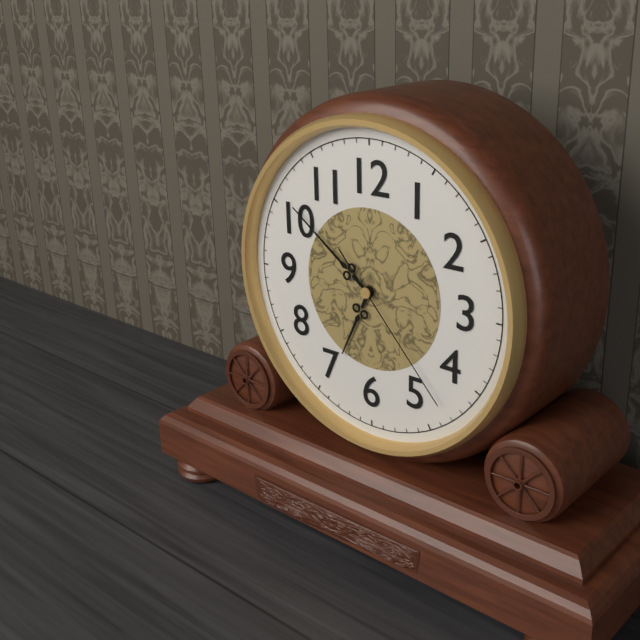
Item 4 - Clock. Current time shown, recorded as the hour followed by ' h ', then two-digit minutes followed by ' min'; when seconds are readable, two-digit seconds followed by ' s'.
6 h 51 min 23 s
